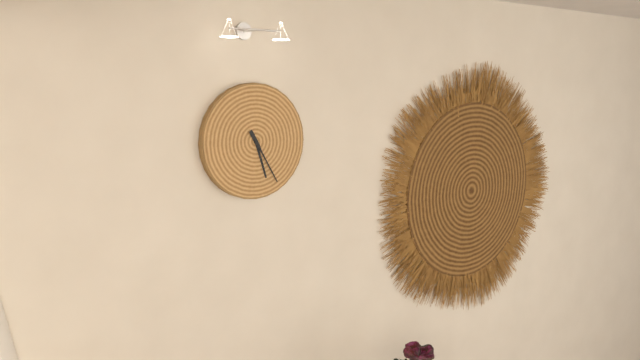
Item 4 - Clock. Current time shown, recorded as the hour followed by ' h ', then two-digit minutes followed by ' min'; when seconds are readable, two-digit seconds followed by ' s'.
5 h 25 min
